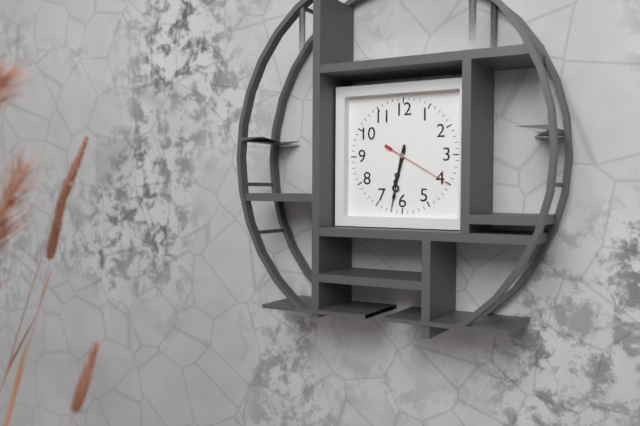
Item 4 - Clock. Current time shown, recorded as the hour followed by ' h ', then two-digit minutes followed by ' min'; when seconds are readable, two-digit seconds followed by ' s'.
6 h 32 min 20 s
